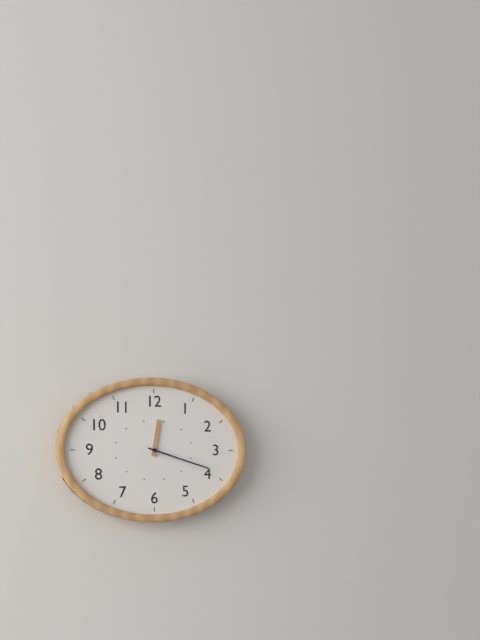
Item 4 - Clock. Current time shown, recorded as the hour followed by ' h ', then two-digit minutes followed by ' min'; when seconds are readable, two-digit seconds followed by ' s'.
12 h 18 min
